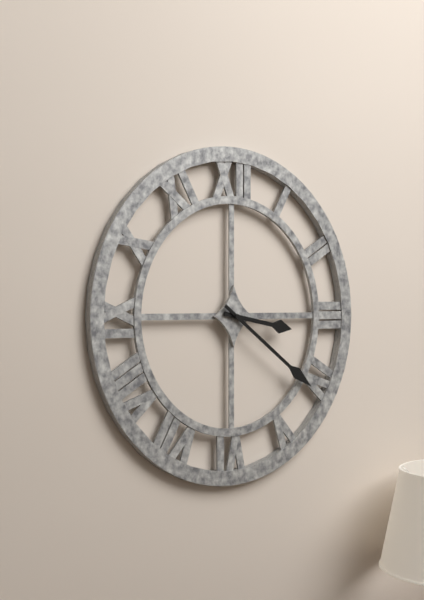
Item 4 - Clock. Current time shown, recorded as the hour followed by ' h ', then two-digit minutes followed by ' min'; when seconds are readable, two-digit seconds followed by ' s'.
3 h 21 min
